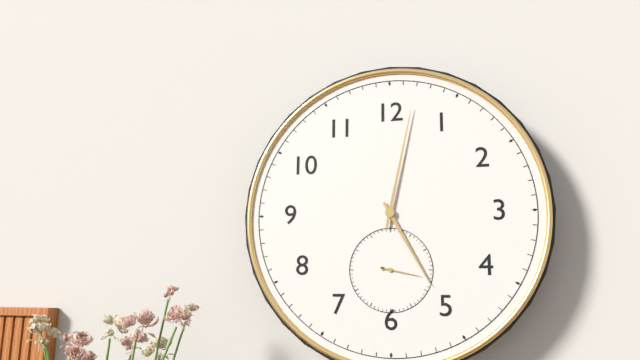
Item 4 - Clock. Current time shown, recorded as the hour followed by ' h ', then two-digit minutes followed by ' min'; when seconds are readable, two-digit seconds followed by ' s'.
5 h 02 min
